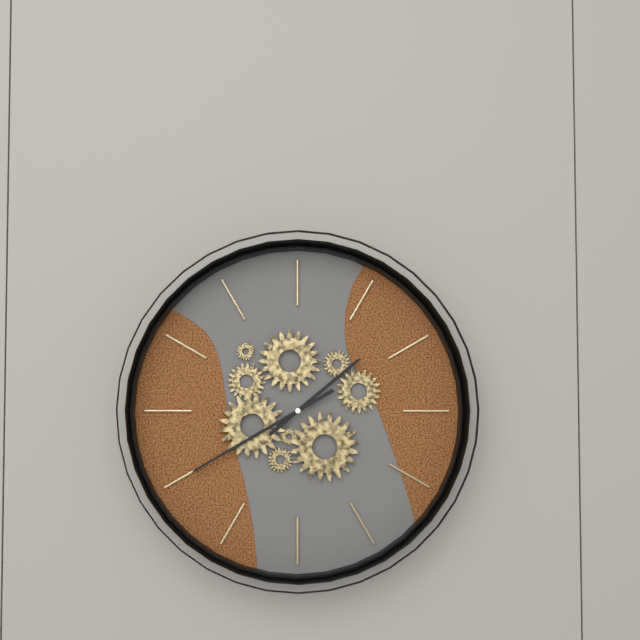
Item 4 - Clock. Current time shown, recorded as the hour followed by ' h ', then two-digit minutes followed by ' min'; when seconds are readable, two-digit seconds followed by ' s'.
1 h 40 min
